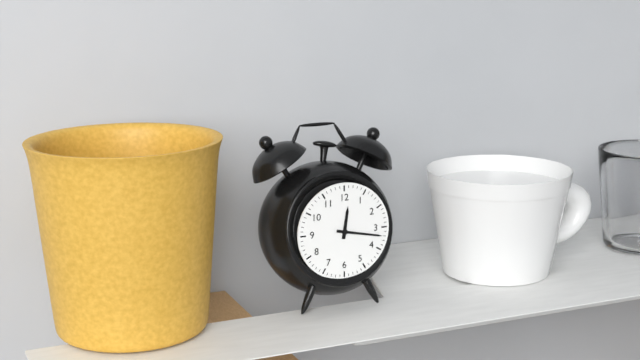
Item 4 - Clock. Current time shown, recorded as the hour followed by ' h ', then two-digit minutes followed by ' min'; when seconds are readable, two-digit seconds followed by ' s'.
12 h 17 min
